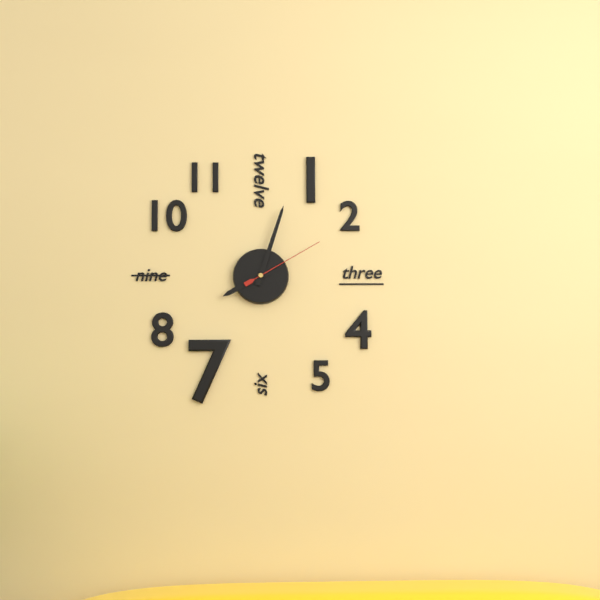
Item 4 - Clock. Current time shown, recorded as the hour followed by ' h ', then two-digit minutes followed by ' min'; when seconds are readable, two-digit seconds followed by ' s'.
8 h 03 min 10 s
